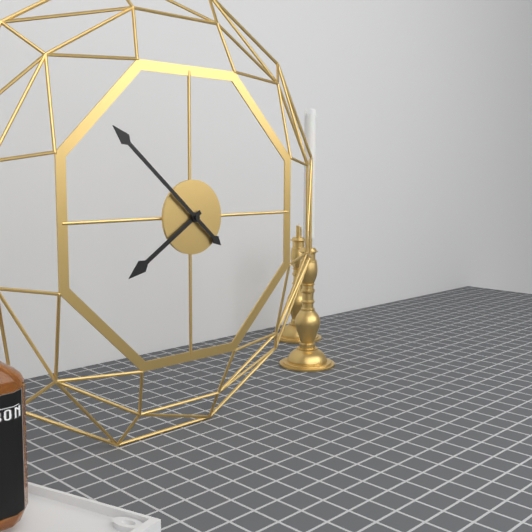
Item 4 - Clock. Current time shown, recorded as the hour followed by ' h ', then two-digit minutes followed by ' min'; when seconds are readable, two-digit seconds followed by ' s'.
7 h 52 min
